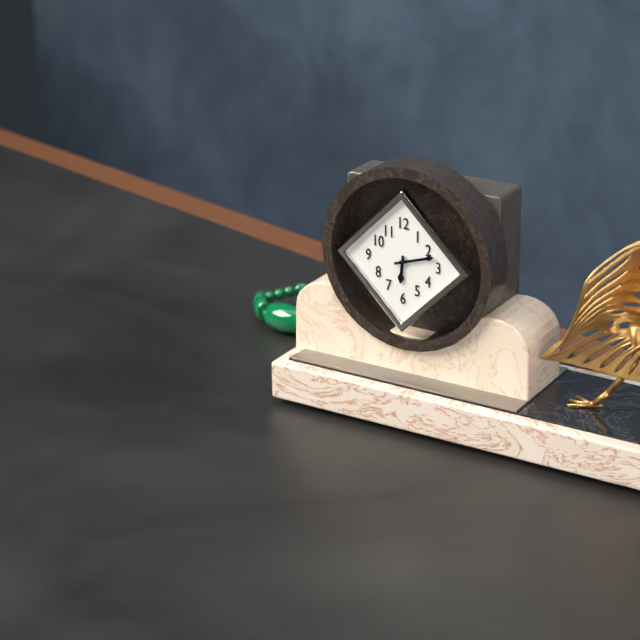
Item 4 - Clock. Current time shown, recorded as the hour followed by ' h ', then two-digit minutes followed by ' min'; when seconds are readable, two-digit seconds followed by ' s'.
6 h 12 min
